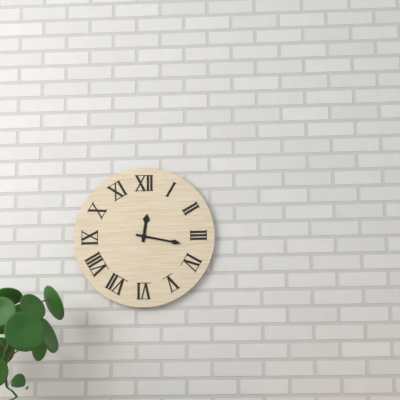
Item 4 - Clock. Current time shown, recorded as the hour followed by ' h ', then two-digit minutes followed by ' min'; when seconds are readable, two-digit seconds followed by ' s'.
12 h 17 min
